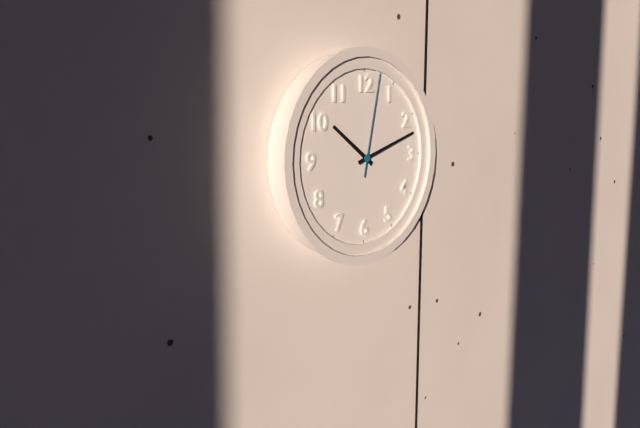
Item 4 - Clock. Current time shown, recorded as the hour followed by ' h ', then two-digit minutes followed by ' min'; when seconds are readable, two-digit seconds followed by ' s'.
10 h 12 min 02 s
